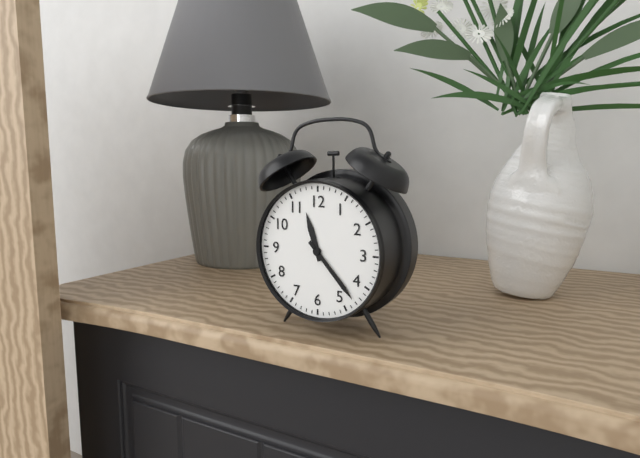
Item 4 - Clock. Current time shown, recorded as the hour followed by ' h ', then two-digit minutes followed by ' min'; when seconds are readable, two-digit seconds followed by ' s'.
11 h 23 min
